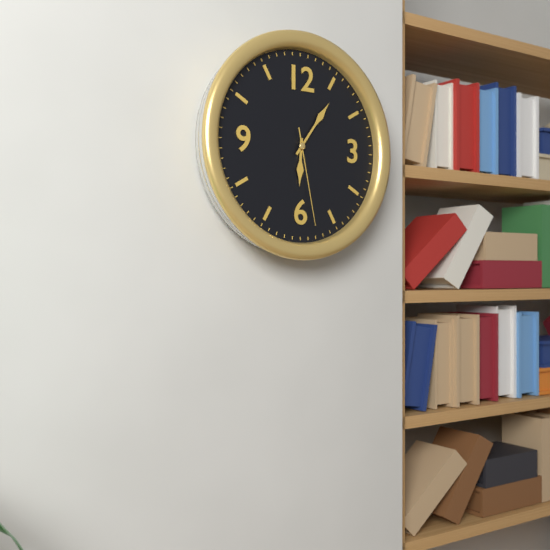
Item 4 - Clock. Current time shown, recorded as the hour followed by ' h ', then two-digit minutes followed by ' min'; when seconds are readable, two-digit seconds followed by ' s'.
6 h 06 min 28 s
